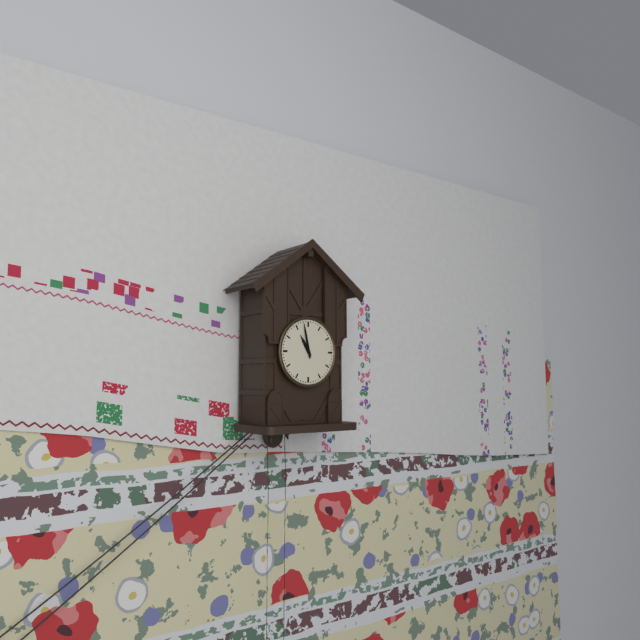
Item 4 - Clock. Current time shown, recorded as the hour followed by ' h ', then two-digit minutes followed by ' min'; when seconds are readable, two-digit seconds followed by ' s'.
10 h 58 min
